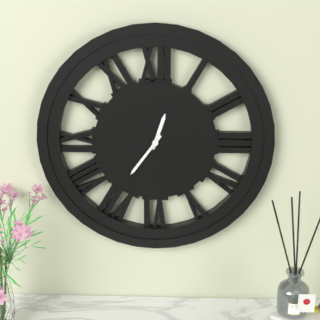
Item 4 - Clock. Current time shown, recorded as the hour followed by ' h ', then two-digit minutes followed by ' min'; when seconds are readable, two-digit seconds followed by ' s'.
12 h 36 min
